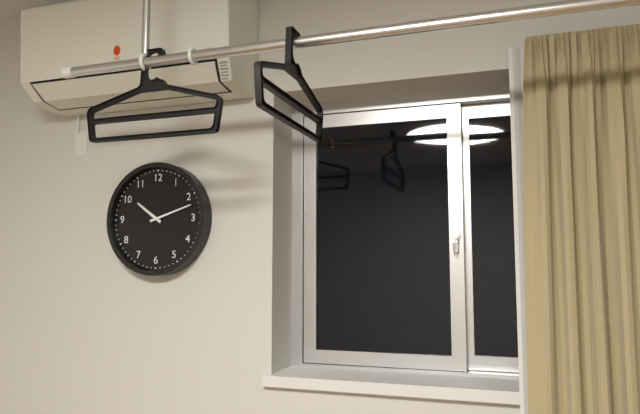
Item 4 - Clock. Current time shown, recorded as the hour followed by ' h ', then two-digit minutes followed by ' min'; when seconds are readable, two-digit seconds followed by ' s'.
10 h 12 min
